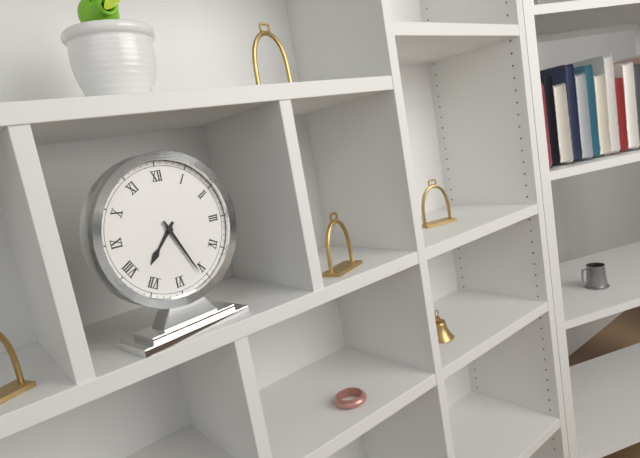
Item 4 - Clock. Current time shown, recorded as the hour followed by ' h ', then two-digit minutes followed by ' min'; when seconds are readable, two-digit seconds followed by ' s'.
7 h 26 min
